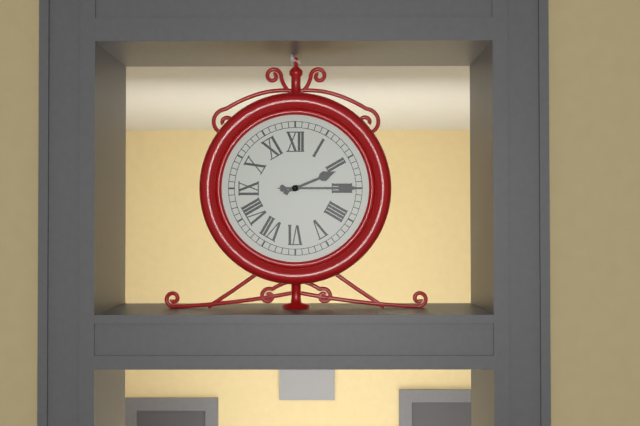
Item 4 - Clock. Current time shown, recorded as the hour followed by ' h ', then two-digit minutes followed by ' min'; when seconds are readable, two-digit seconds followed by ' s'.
2 h 15 min
